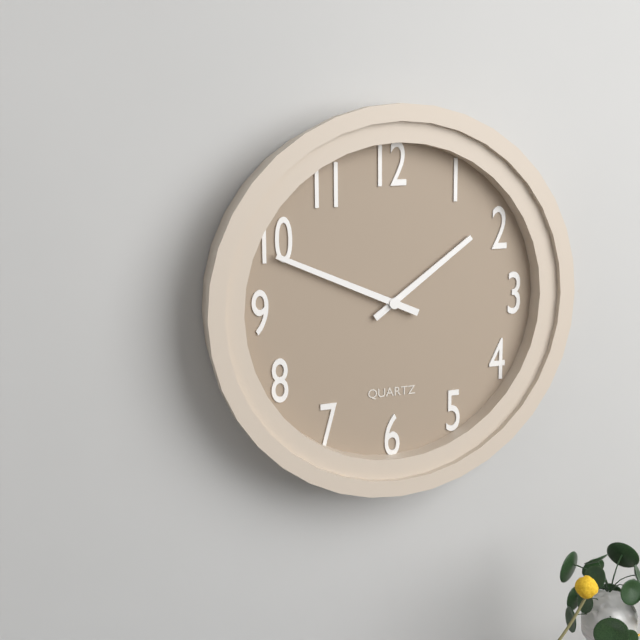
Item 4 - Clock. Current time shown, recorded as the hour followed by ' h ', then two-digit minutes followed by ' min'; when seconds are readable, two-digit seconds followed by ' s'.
1 h 49 min
